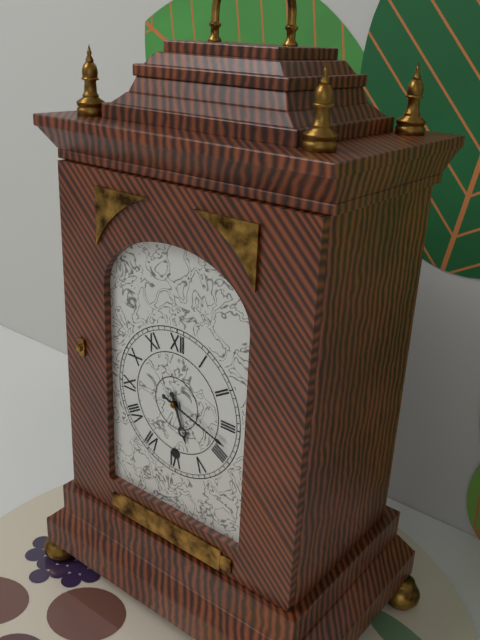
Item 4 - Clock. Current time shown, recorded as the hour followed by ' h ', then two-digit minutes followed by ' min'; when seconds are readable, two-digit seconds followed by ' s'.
5 h 18 min
